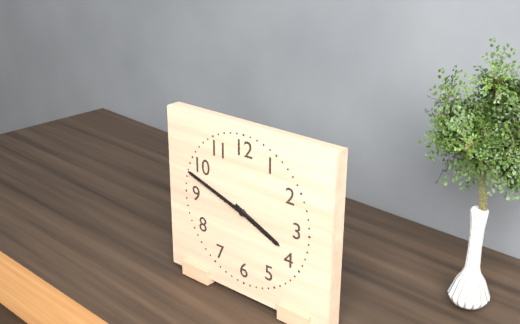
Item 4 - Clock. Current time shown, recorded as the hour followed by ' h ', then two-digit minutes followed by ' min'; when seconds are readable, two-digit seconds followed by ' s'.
3 h 48 min
